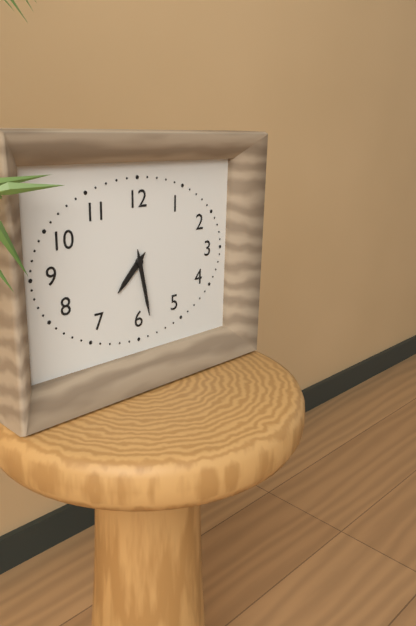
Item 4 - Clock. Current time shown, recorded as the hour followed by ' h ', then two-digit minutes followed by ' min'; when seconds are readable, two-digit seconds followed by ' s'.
7 h 28 min
